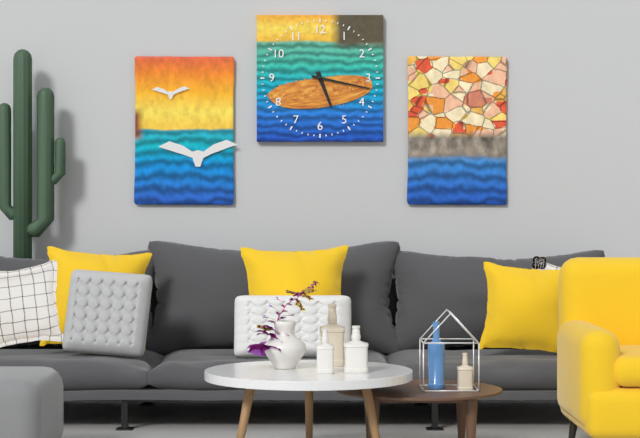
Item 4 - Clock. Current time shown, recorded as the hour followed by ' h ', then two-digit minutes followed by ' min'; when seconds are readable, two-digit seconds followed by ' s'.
5 h 17 min
